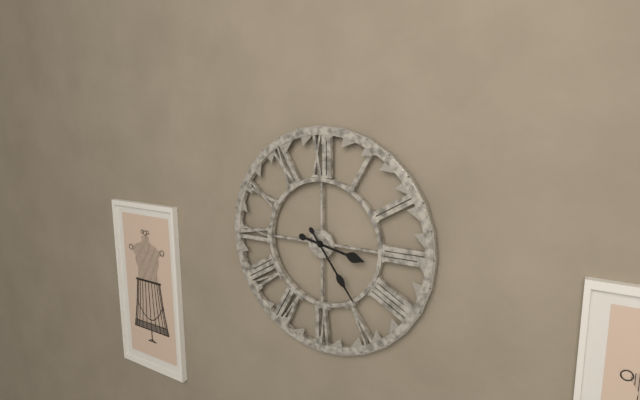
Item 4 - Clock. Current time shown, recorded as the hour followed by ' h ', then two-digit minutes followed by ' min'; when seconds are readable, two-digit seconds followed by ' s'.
3 h 24 min
